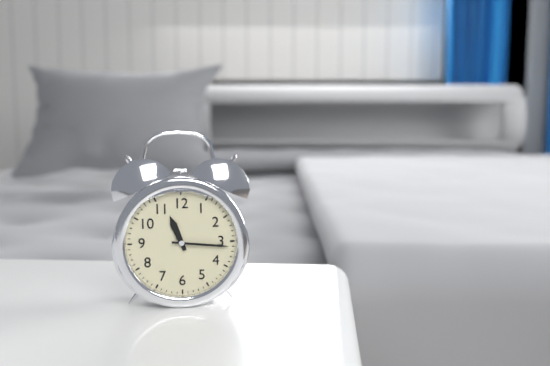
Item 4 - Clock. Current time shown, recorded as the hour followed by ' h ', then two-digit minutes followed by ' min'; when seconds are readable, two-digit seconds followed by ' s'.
11 h 16 min
